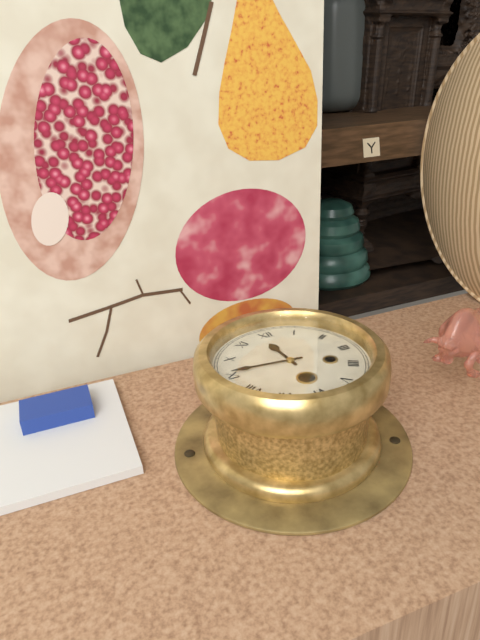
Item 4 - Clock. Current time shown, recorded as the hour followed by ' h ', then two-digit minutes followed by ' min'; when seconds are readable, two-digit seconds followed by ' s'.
11 h 46 min
